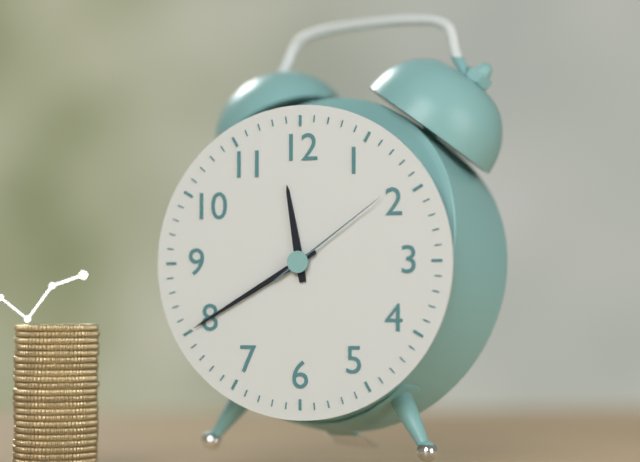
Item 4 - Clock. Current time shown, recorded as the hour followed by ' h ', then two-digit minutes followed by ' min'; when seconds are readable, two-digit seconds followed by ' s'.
11 h 40 min 09 s
